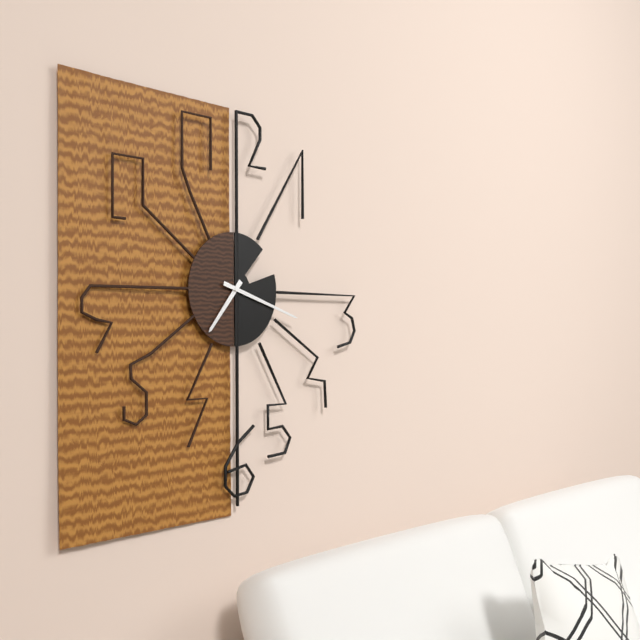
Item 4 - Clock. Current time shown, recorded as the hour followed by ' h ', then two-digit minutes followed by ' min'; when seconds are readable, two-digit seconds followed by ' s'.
7 h 18 min
